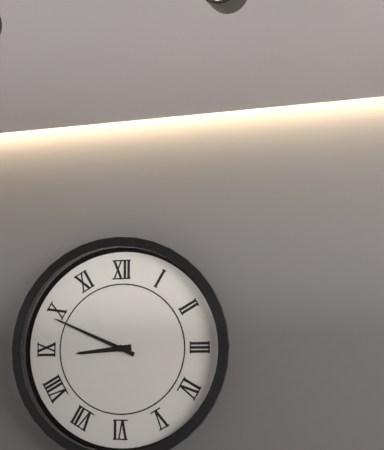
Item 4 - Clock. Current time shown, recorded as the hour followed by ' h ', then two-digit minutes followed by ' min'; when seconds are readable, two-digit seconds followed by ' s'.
8 h 49 min
